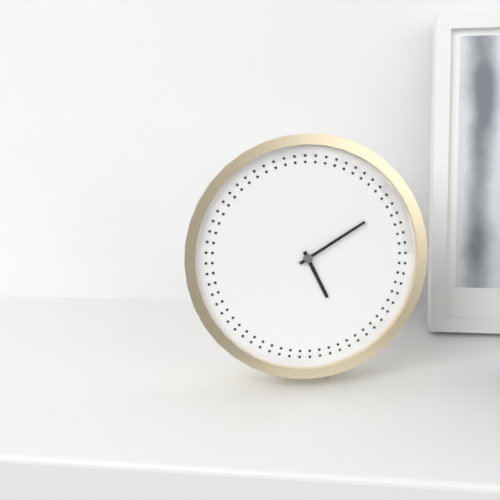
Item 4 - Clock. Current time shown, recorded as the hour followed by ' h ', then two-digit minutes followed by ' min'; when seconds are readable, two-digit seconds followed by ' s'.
5 h 10 min
